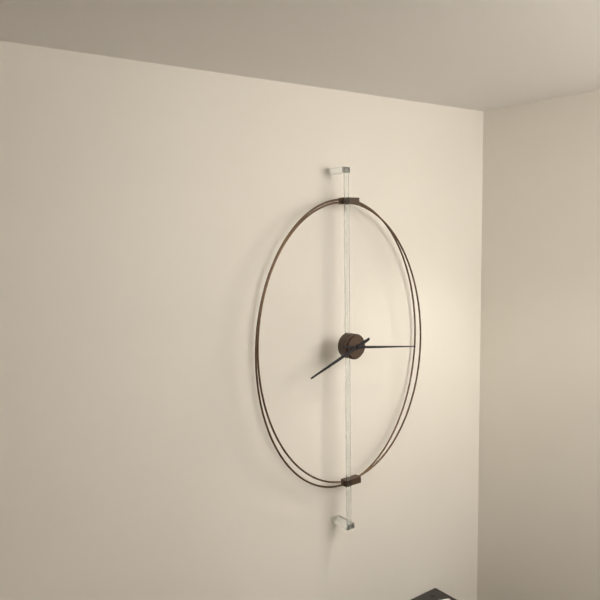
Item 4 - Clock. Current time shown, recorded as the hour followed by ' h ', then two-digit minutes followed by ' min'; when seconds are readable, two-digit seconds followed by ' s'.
8 h 16 min
